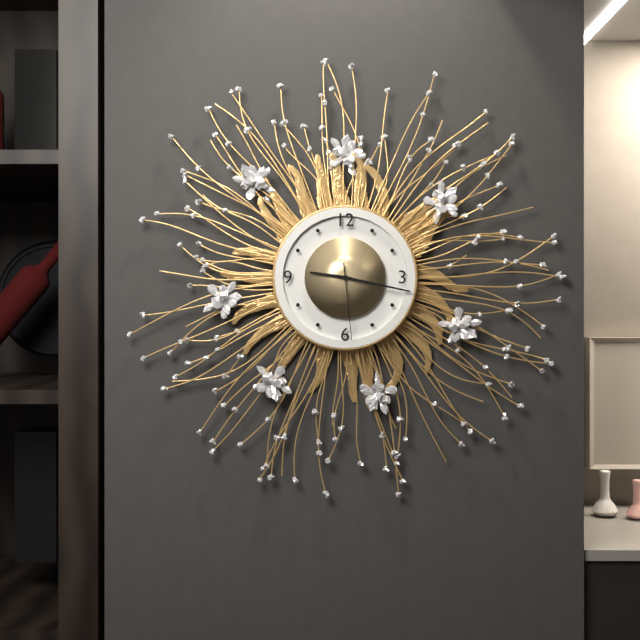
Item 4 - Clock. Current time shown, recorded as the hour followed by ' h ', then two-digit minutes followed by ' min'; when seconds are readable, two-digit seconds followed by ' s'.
9 h 17 min 29 s
